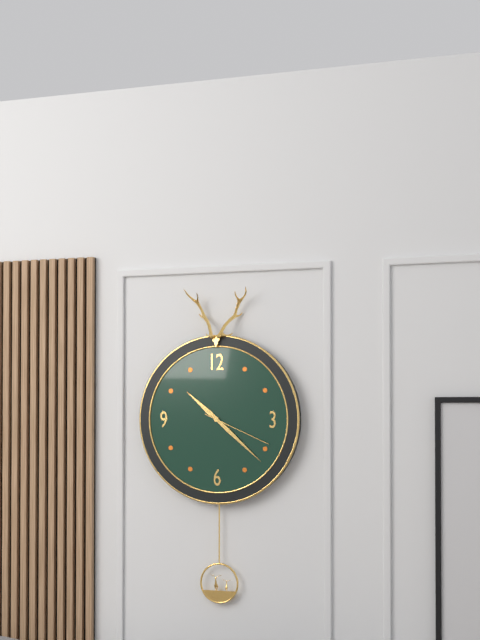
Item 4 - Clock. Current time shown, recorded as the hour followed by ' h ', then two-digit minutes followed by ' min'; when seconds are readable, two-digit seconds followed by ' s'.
10 h 22 min 19 s
